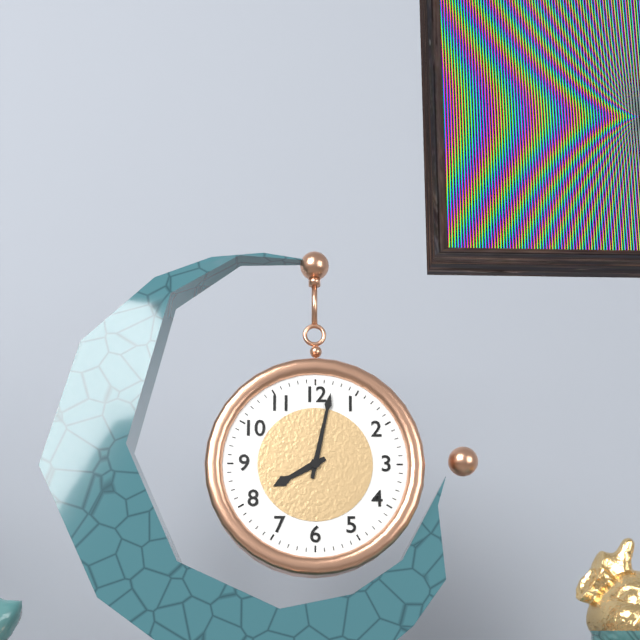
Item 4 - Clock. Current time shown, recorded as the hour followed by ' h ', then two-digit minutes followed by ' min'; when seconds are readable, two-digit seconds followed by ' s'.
8 h 02 min
